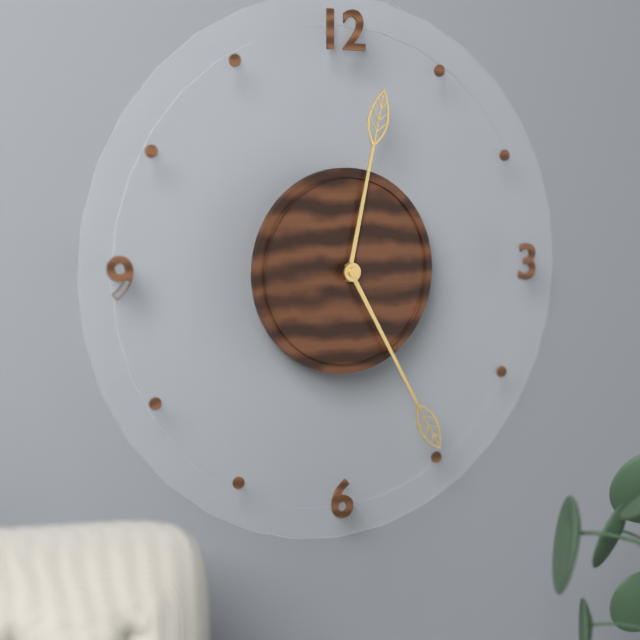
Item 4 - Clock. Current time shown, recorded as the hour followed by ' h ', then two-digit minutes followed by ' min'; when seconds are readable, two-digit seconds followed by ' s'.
12 h 25 min
